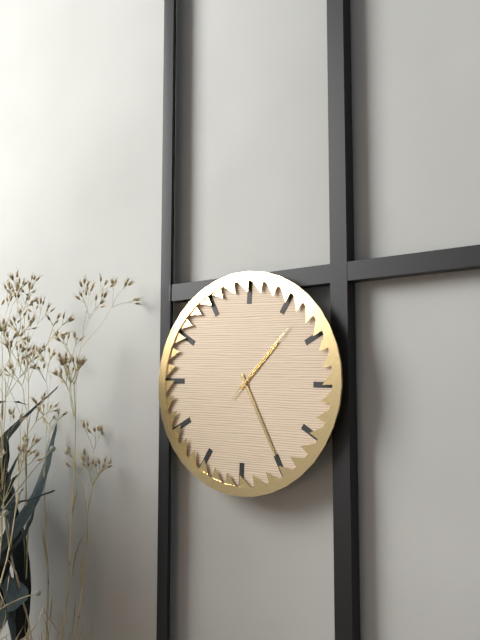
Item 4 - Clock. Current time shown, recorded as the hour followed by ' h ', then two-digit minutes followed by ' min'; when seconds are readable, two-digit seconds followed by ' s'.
1 h 25 min 07 s
